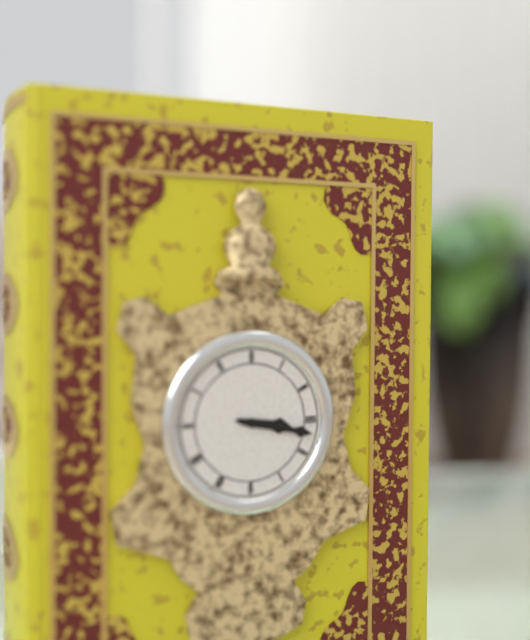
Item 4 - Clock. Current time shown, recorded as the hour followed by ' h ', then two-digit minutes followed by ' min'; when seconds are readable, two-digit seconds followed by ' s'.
3 h 17 min
